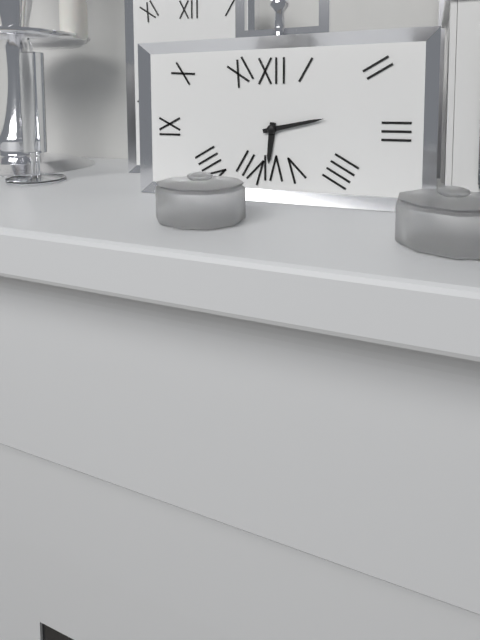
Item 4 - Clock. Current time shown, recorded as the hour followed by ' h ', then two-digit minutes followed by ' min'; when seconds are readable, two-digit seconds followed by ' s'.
6 h 13 min
